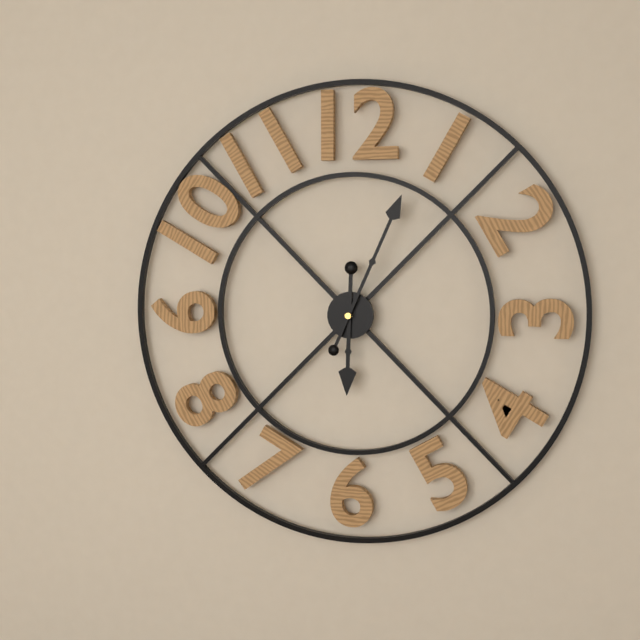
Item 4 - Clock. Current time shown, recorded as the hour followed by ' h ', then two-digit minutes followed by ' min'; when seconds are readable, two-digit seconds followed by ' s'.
6 h 04 min
